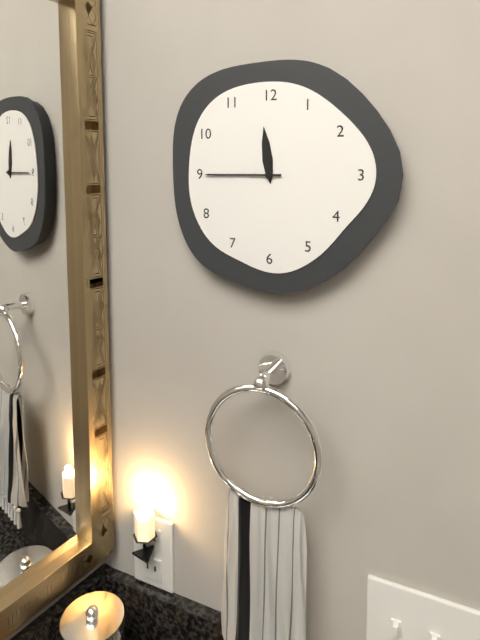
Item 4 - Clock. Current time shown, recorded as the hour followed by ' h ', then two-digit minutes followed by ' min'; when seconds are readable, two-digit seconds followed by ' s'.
11 h 45 min
